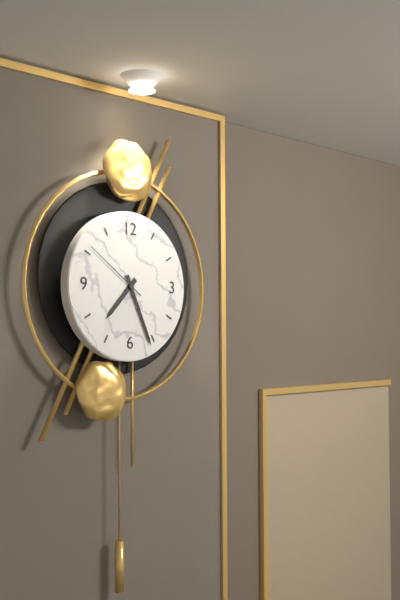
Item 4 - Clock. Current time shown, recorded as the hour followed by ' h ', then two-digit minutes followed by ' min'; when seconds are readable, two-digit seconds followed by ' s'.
7 h 26 min 51 s
